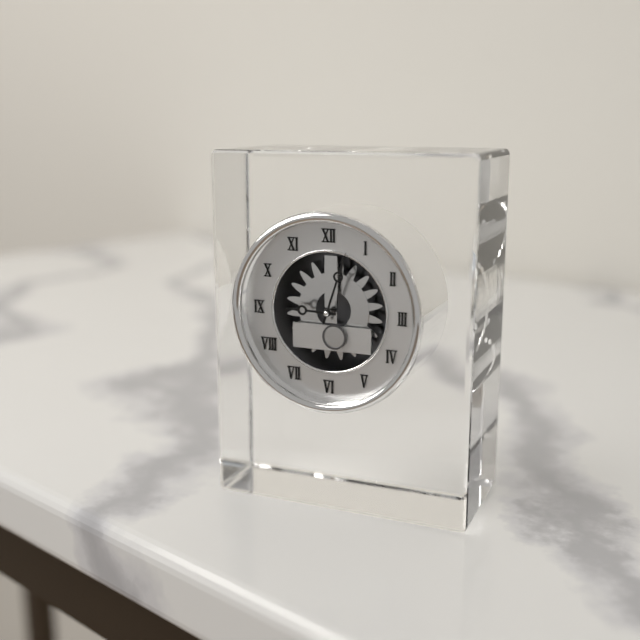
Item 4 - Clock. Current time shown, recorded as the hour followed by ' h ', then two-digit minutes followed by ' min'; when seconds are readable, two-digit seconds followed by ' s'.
9 h 03 min
